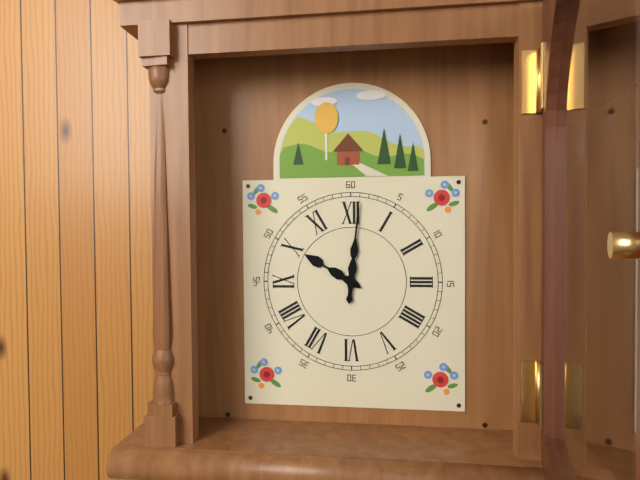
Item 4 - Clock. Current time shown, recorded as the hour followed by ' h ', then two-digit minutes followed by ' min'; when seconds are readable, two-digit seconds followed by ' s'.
10 h 01 min
